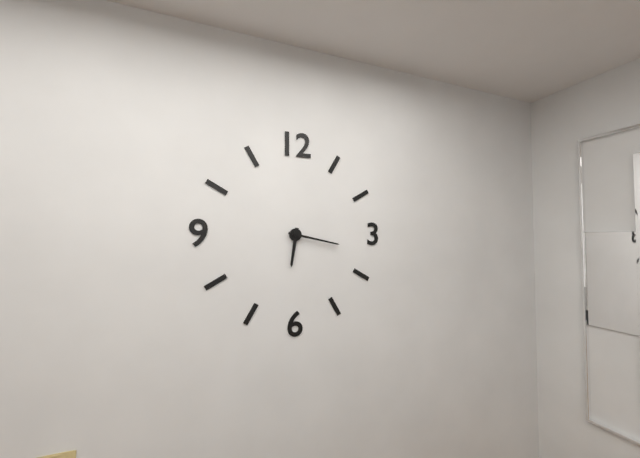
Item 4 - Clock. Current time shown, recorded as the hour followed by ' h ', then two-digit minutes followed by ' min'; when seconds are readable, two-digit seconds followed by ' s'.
6 h 17 min
